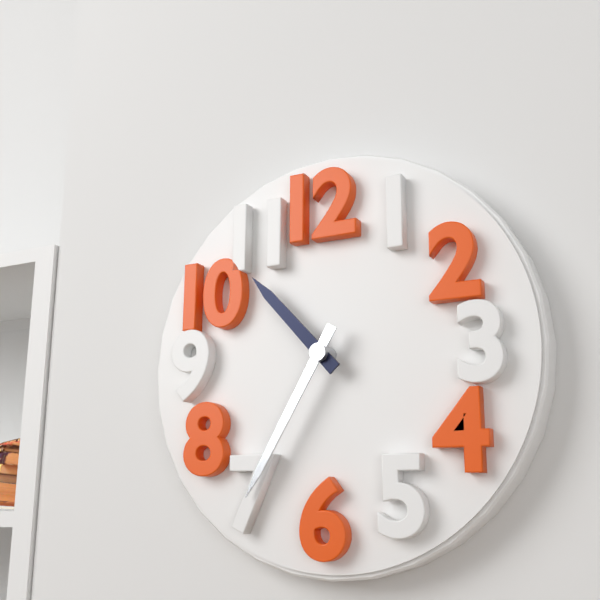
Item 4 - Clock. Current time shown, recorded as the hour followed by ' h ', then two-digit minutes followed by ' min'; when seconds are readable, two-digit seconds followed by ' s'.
10 h 35 min
